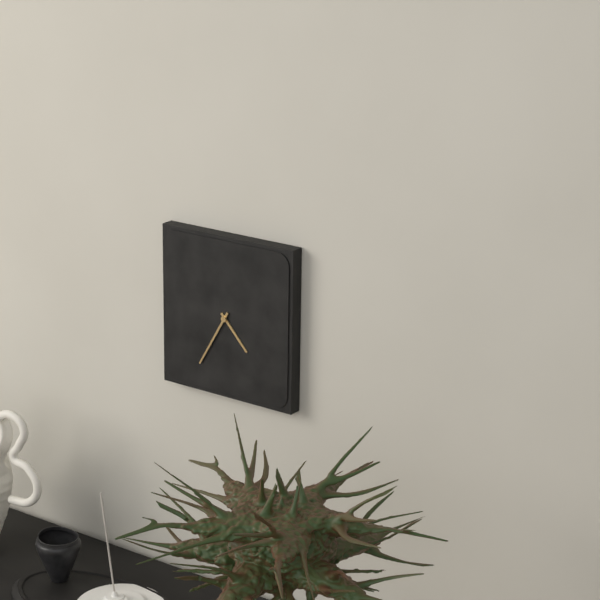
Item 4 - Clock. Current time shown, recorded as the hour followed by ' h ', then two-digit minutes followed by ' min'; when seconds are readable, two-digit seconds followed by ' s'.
4 h 35 min
